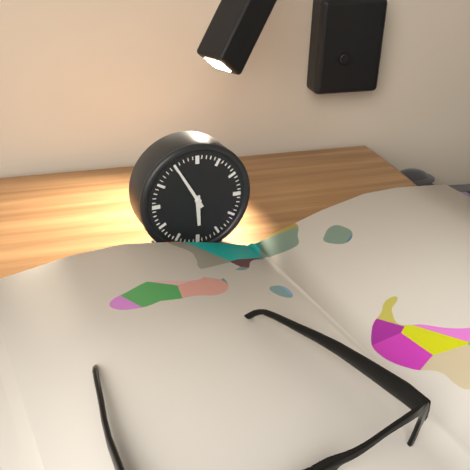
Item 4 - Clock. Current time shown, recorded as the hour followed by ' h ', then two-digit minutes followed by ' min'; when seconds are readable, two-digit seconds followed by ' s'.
5 h 55 min
